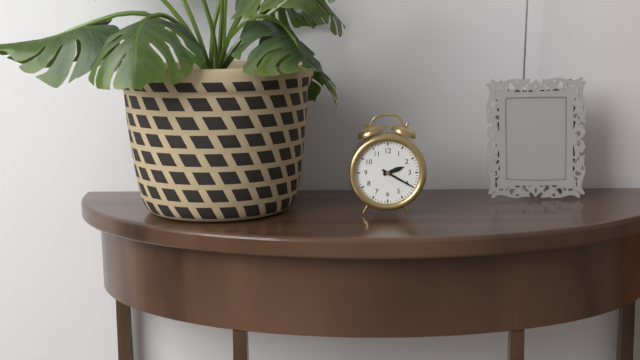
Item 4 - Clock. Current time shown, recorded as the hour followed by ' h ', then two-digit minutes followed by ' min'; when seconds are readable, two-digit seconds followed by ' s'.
2 h 20 min
